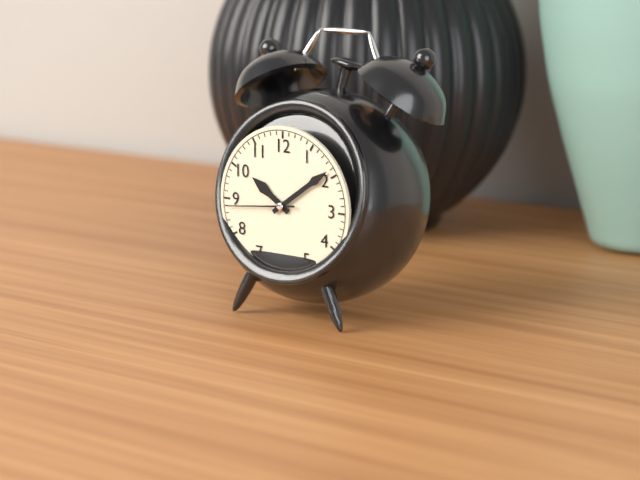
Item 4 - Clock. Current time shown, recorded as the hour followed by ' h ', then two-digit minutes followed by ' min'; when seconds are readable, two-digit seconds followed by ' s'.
10 h 09 min 44 s
